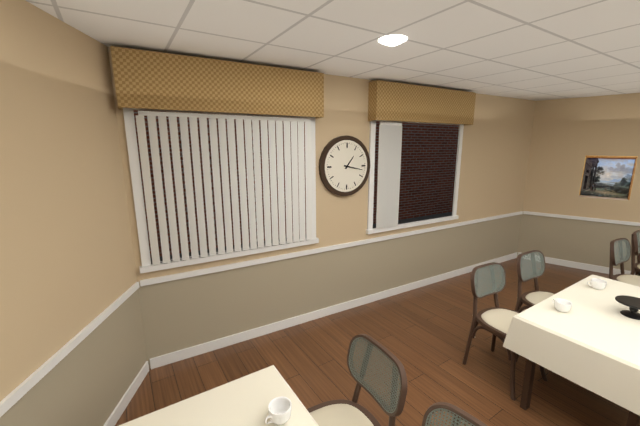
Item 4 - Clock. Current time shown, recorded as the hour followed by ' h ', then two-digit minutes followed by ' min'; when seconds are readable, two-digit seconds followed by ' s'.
1 h 17 min
